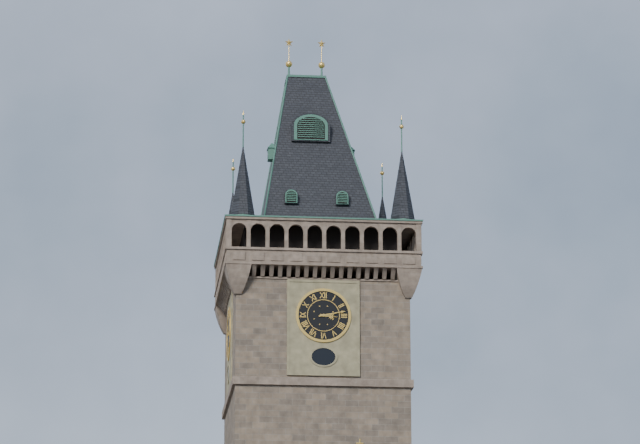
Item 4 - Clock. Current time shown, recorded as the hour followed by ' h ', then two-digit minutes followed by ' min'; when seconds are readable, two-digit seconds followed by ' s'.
3 h 13 min
